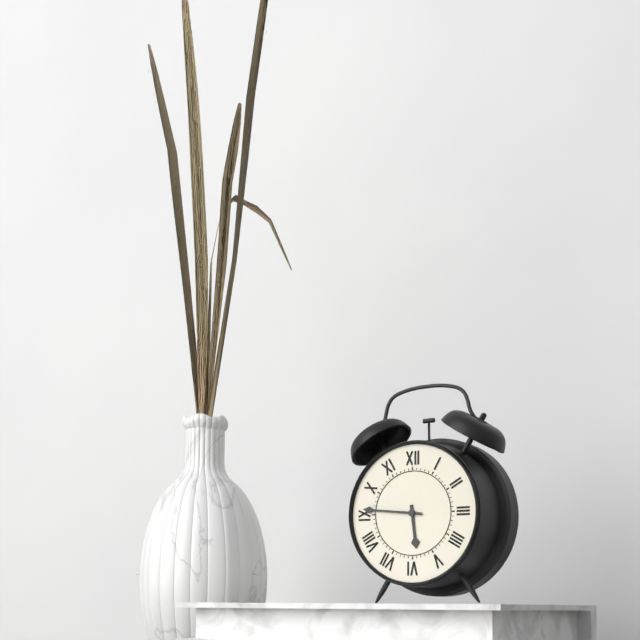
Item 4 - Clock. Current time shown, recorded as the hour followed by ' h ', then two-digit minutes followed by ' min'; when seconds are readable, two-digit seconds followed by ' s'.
5 h 46 min
